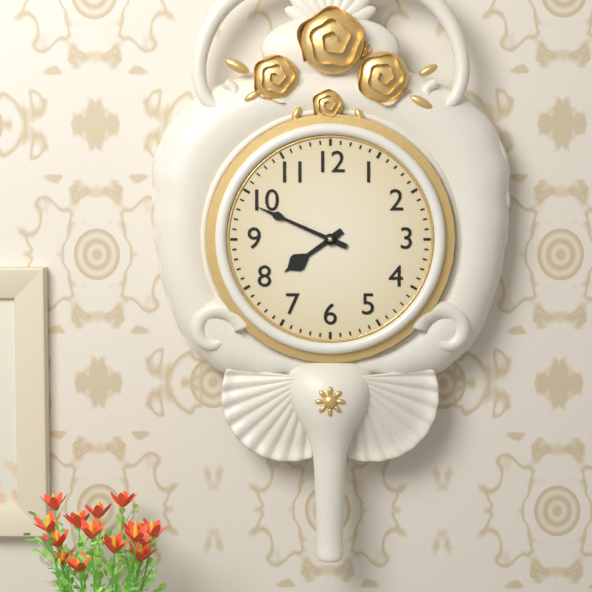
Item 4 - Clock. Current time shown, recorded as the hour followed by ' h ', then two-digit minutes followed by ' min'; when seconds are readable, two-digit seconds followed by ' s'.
7 h 49 min
